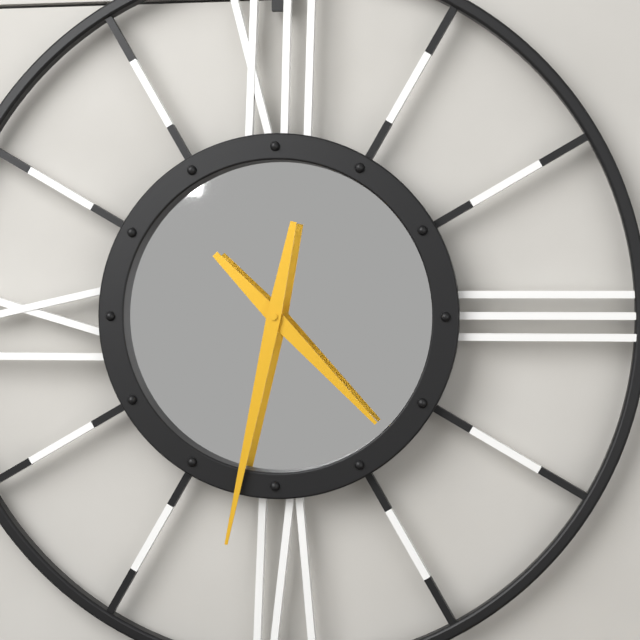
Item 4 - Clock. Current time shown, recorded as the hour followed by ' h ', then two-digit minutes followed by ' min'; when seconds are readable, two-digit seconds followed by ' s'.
4 h 32 min
